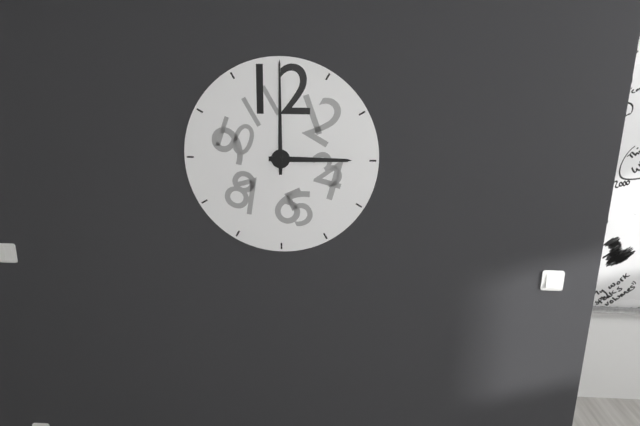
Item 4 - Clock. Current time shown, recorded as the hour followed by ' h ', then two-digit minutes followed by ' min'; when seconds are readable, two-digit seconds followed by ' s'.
3 h 00 min
